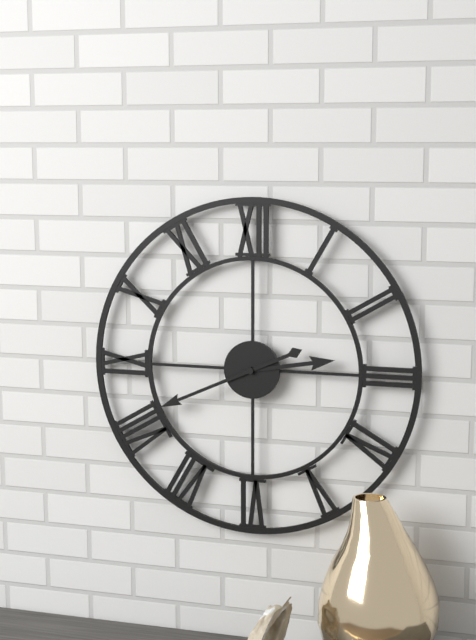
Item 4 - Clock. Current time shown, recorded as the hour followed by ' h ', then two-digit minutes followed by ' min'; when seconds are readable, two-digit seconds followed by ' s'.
2 h 41 min
